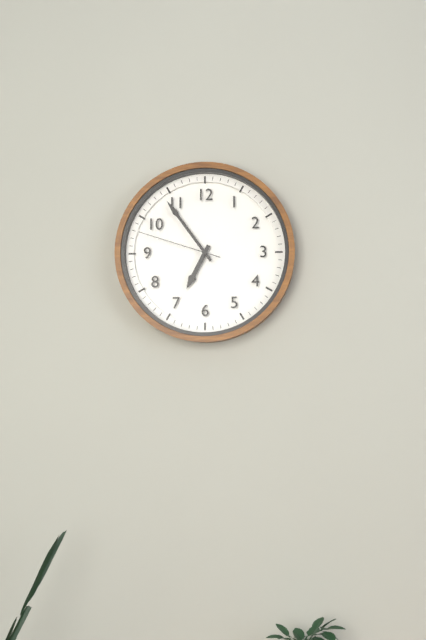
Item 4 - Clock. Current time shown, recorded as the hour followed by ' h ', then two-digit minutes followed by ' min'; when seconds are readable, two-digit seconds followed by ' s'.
6 h 54 min 48 s
